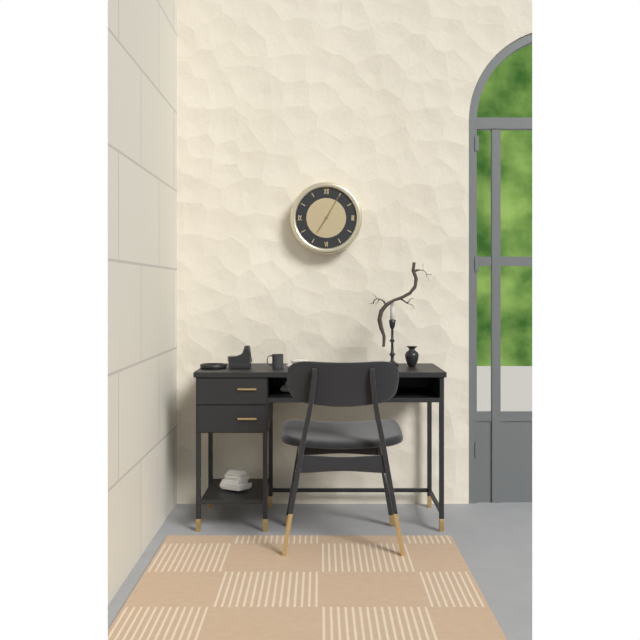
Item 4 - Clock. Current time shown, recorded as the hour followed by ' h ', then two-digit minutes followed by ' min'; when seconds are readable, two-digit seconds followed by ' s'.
7 h 05 min
